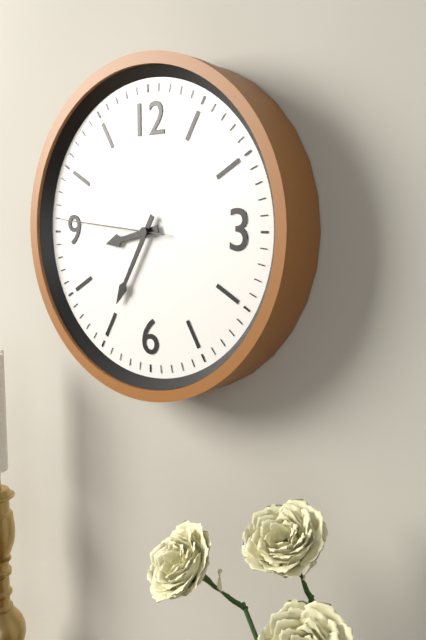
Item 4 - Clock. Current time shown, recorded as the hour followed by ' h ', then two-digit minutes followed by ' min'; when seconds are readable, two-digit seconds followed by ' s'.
8 h 35 min 46 s
